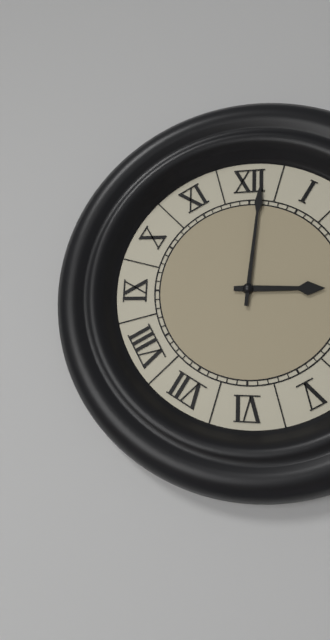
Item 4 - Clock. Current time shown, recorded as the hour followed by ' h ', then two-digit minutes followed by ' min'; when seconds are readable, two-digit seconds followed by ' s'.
3 h 01 min
